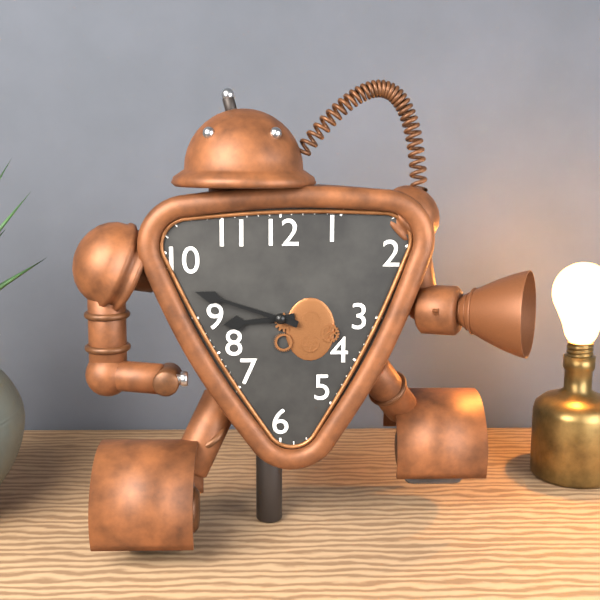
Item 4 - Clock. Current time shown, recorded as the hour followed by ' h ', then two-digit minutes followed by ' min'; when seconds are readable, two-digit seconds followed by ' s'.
8 h 48 min
